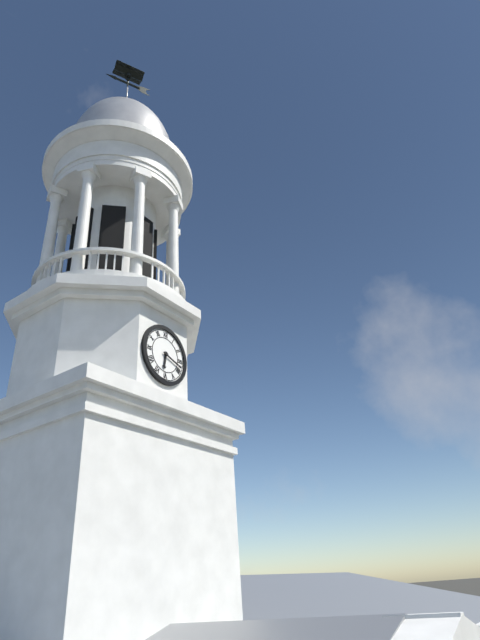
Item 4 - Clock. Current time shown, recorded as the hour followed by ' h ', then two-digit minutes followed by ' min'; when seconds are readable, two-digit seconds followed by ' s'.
6 h 18 min
